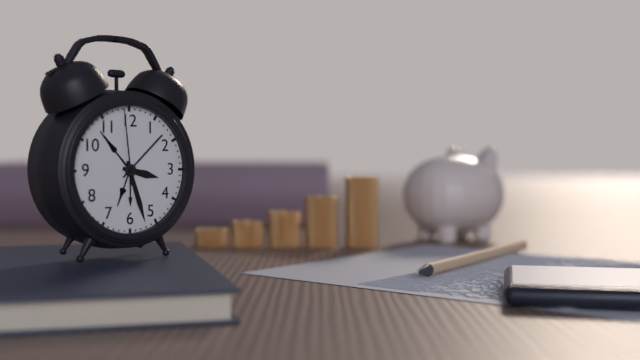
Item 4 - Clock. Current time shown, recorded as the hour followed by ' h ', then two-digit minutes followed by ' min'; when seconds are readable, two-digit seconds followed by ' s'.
3 h 27 min 59 s
